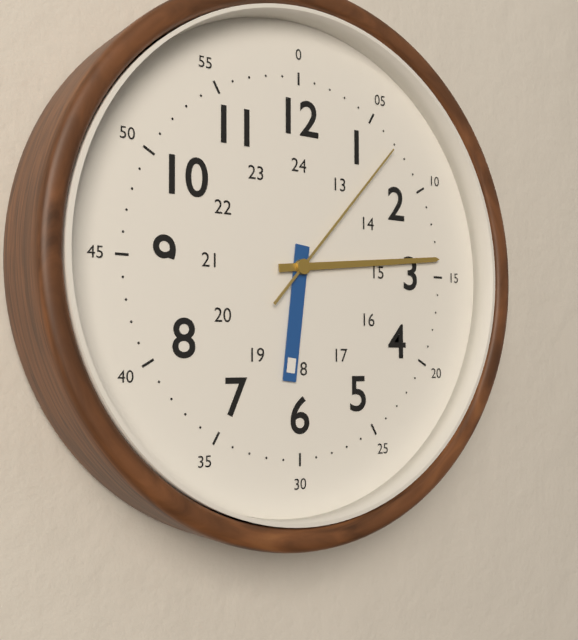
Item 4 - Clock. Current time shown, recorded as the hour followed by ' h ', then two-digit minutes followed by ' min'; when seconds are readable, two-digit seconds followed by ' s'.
6 h 14 min 07 s
